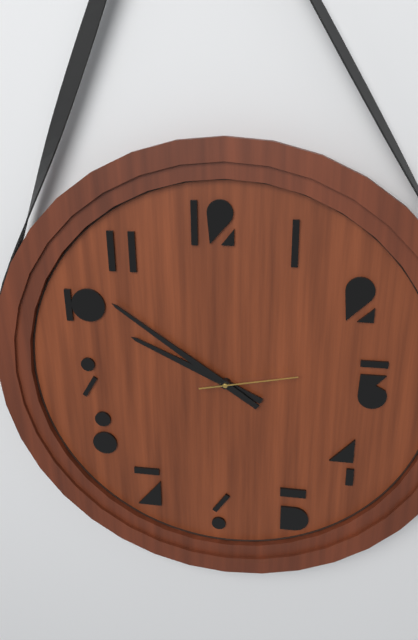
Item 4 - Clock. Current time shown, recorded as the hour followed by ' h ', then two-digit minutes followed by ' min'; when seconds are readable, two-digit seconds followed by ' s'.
9 h 51 min 13 s
